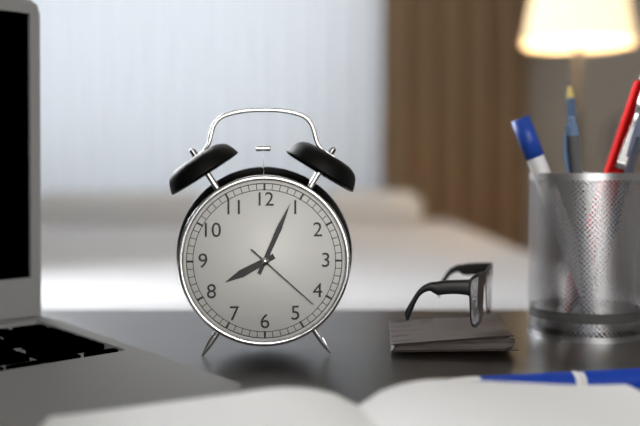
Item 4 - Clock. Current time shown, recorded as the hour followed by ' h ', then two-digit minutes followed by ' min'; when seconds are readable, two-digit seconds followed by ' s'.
8 h 04 min 22 s
